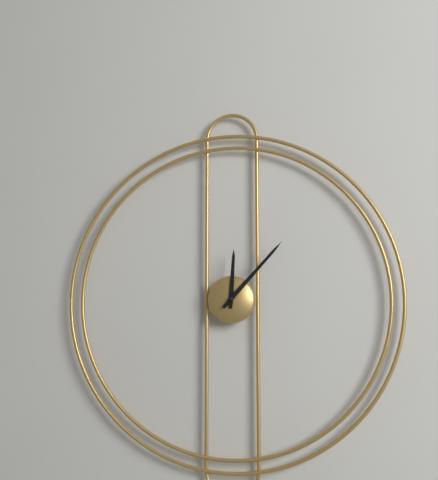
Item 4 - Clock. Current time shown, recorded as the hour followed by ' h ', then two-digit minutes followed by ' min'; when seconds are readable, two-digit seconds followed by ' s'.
12 h 07 min
